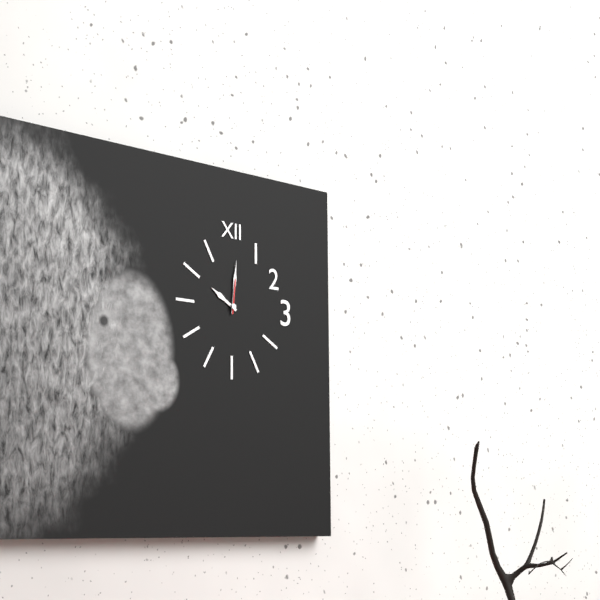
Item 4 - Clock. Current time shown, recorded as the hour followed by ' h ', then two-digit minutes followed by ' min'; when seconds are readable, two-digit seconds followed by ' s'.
10 h 01 min
